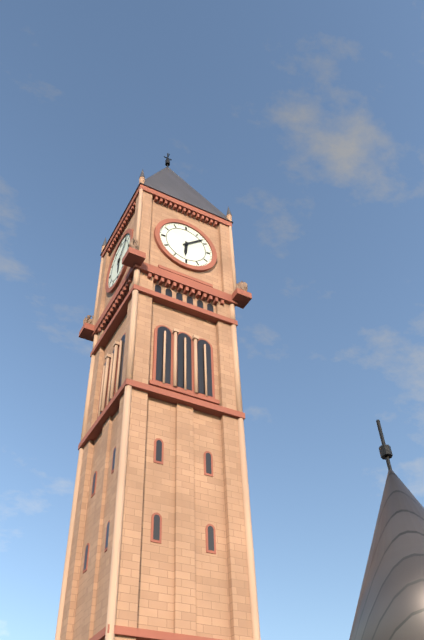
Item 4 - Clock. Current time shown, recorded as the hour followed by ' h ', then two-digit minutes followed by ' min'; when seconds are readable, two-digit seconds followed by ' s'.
6 h 08 min
